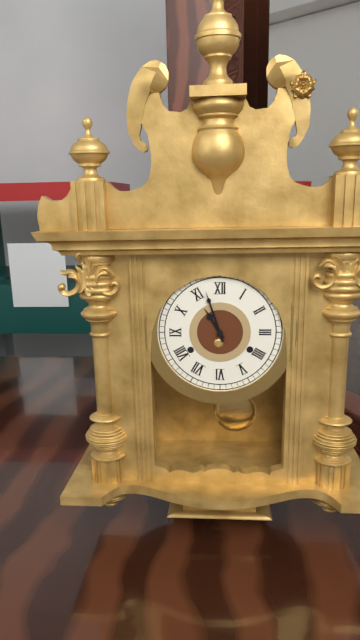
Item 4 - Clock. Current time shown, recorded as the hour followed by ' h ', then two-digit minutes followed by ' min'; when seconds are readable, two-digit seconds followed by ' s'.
10 h 57 min
